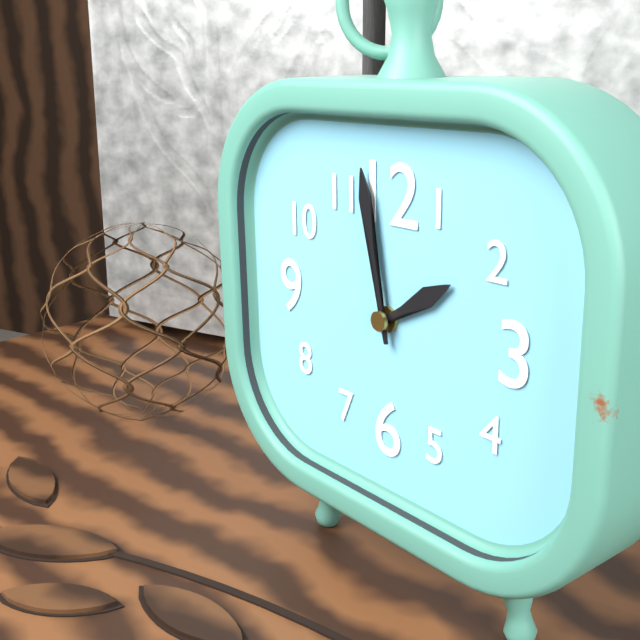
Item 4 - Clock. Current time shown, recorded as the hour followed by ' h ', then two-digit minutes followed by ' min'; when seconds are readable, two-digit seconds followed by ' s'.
1 h 58 min
